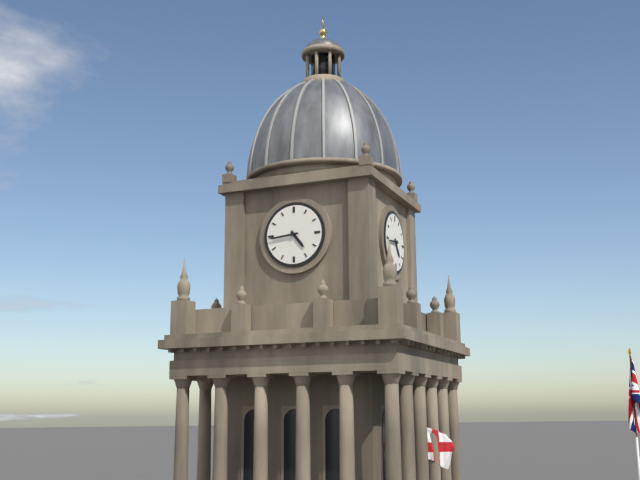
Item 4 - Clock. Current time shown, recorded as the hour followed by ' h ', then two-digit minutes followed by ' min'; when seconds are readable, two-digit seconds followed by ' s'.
4 h 44 min
